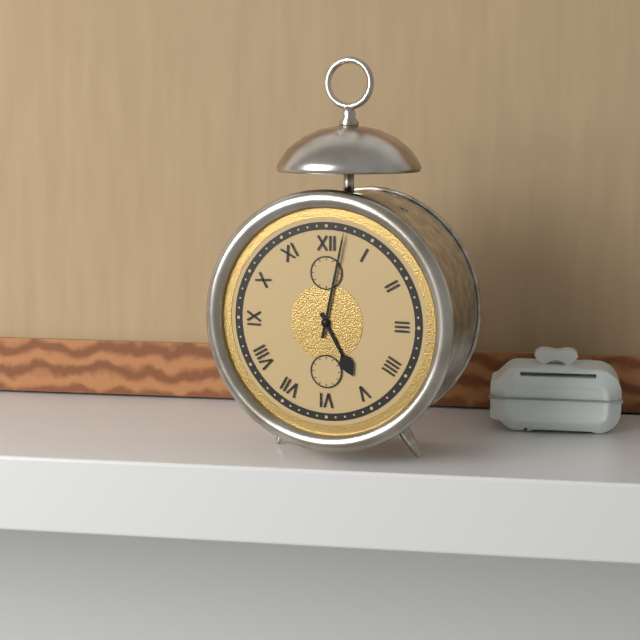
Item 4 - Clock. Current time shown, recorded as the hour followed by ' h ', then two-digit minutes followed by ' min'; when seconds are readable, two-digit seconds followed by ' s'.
5 h 02 min
